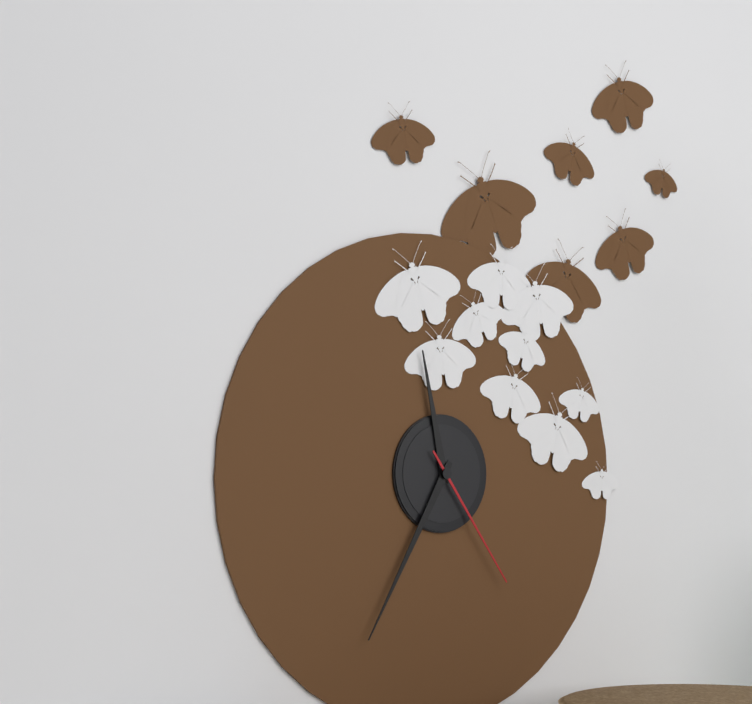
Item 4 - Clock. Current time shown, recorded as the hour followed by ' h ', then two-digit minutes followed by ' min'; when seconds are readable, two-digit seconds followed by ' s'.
11 h 35 min 24 s
